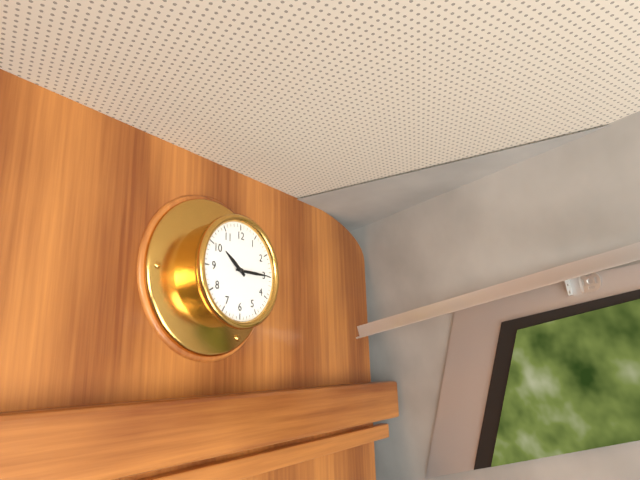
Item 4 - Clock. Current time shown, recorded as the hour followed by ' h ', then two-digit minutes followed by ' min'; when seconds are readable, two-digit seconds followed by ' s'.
10 h 15 min
